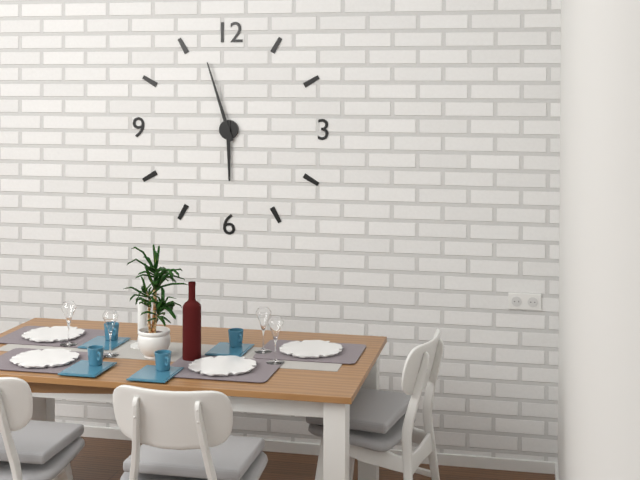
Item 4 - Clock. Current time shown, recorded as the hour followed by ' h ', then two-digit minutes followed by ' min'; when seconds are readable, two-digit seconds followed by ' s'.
5 h 57 min
